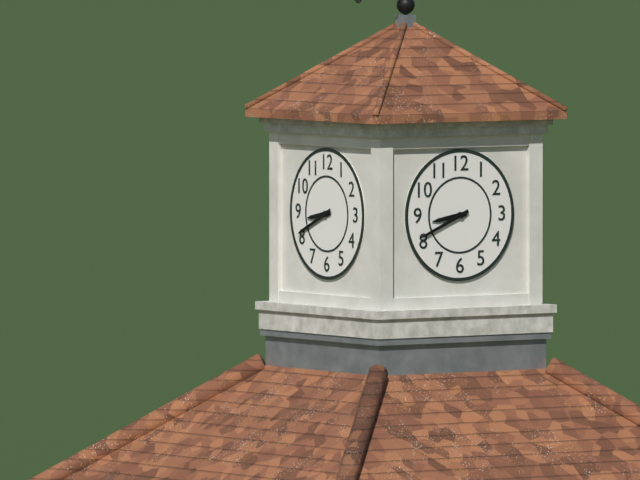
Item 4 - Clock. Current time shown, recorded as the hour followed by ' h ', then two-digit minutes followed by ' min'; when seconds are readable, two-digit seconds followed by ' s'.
8 h 41 min
